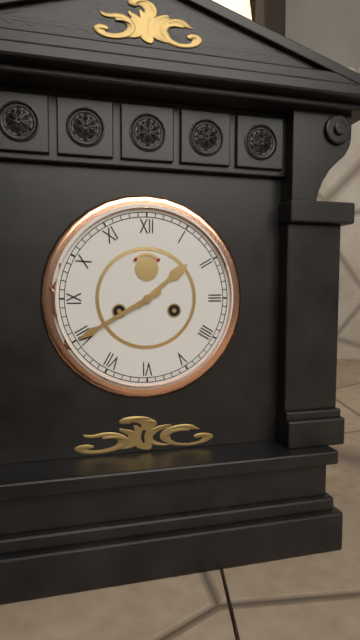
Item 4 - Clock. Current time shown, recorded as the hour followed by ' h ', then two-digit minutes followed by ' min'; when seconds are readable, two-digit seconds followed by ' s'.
1 h 40 min
